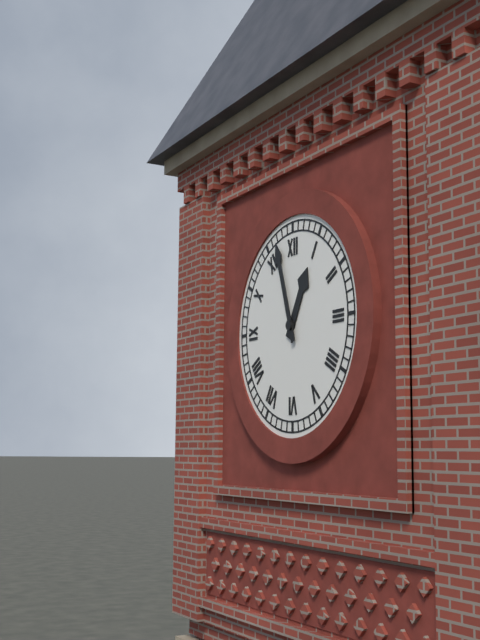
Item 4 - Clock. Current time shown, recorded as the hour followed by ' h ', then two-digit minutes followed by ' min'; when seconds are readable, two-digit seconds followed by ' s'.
12 h 57 min
